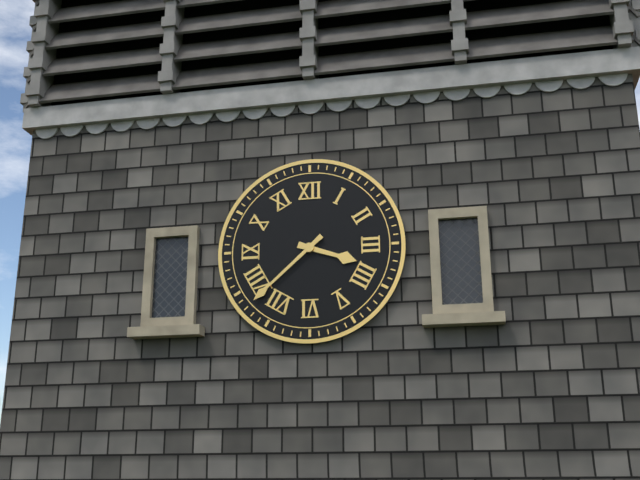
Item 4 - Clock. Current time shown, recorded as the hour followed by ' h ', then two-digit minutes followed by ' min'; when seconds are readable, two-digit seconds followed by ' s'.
3 h 38 min
